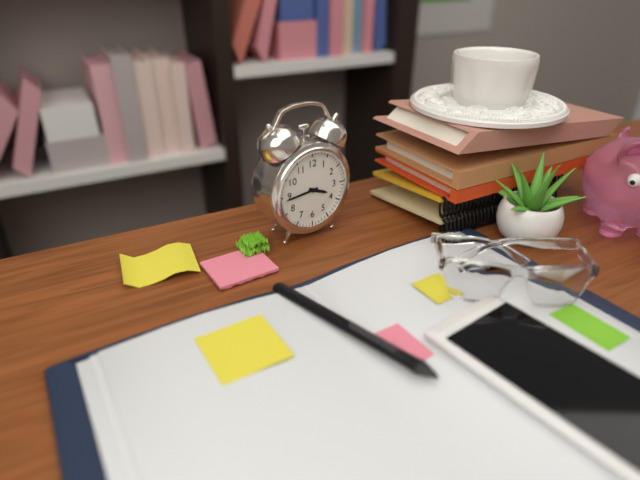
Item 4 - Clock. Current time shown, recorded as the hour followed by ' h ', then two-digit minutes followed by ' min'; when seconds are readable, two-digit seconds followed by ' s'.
3 h 44 min
